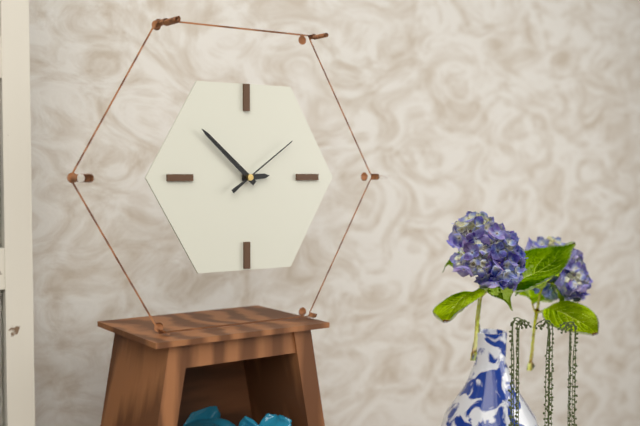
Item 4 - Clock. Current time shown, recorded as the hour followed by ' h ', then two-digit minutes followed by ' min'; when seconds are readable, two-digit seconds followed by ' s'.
2 h 52 min 09 s
